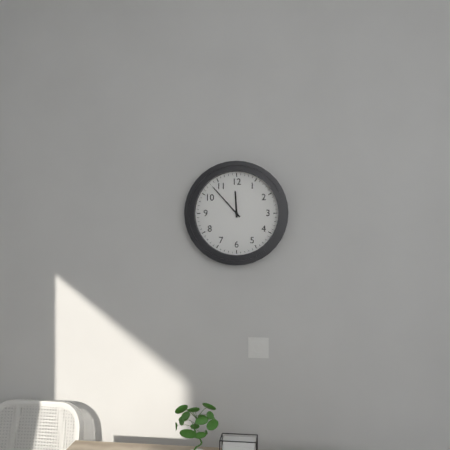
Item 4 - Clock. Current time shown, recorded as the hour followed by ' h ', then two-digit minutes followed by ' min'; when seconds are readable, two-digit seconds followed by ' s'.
11 h 53 min
